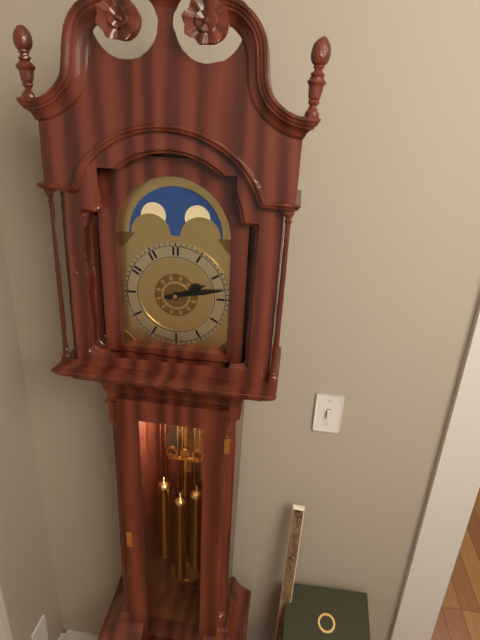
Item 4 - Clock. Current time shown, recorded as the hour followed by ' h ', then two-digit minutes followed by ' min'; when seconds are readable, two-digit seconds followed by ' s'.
2 h 13 min
